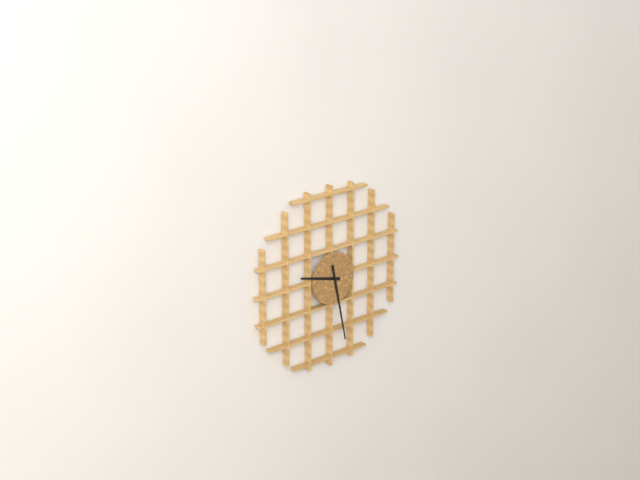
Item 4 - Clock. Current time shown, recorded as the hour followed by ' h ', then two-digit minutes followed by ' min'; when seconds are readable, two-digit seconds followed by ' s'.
9 h 28 min
